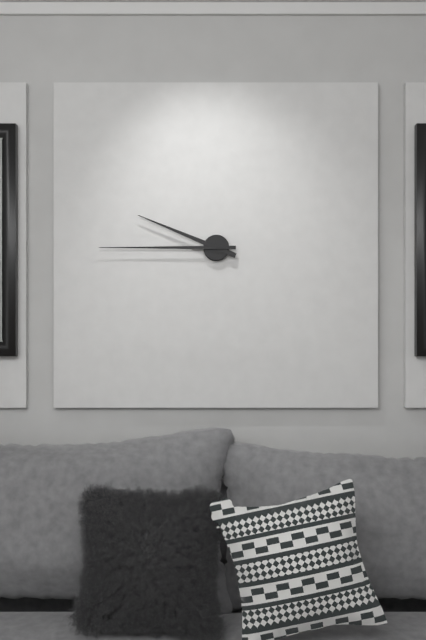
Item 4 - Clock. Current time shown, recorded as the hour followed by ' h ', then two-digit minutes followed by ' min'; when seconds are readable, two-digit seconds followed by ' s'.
9 h 45 min
